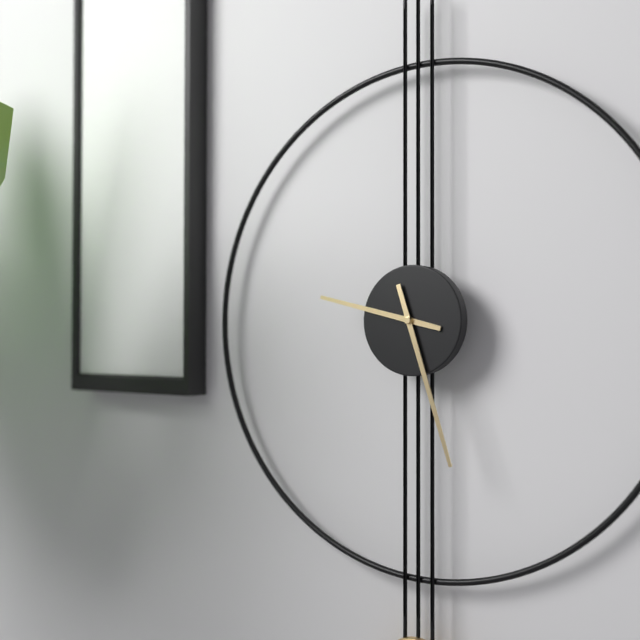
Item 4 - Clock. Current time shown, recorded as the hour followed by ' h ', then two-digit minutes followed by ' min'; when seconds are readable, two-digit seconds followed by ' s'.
9 h 27 min
